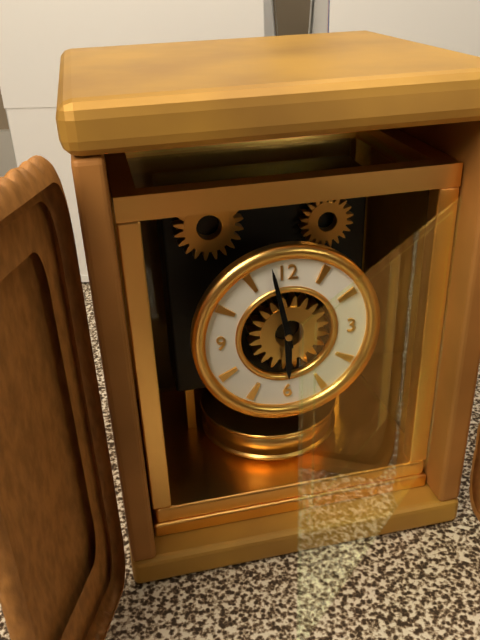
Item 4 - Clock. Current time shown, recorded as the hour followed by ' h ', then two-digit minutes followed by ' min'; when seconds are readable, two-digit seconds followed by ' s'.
5 h 58 min
